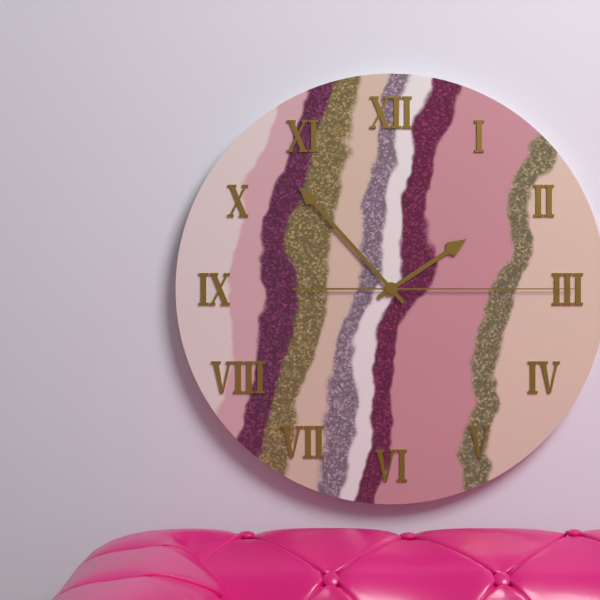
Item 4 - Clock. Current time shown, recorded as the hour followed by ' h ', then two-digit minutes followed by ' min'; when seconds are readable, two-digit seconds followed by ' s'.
1 h 53 min 15 s
